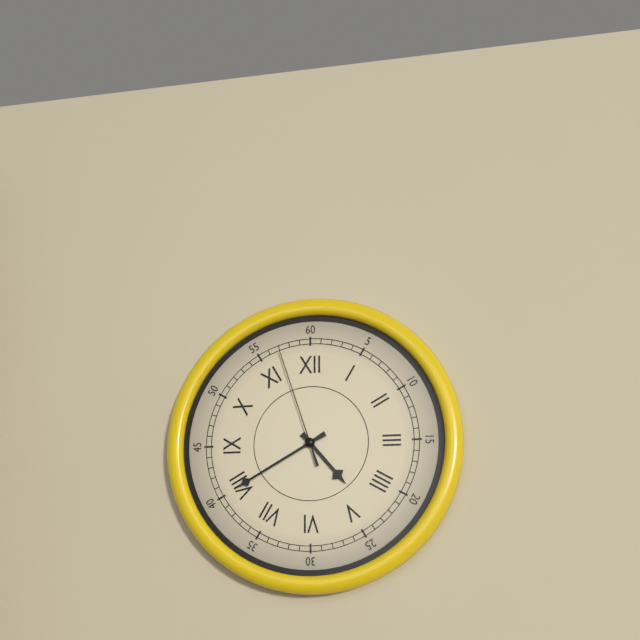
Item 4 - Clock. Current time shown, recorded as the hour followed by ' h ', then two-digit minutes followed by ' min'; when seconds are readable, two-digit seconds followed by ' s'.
4 h 40 min 57 s
